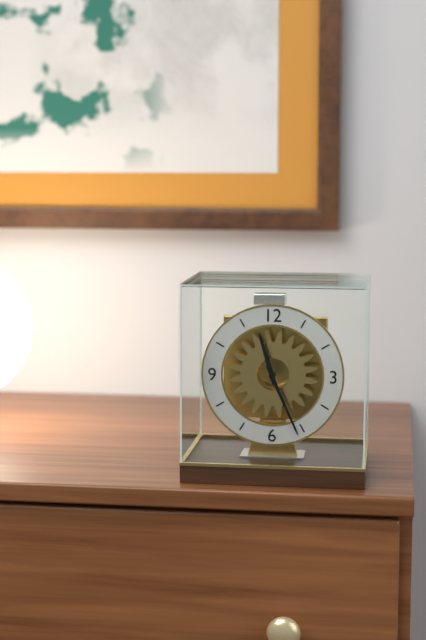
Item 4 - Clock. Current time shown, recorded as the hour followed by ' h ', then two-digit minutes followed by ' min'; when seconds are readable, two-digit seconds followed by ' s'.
11 h 26 min
